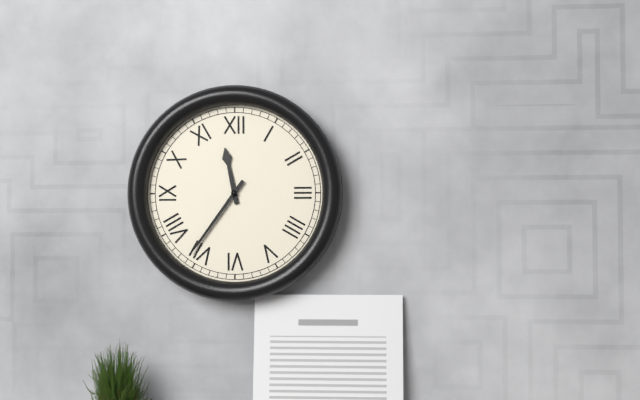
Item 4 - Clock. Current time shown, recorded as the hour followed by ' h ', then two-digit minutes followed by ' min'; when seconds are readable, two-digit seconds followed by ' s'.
11 h 36 min
